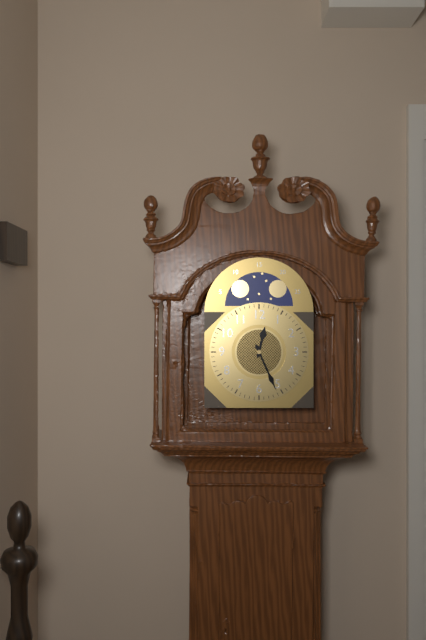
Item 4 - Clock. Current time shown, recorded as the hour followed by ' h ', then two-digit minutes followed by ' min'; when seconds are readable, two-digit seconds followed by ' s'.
12 h 26 min
